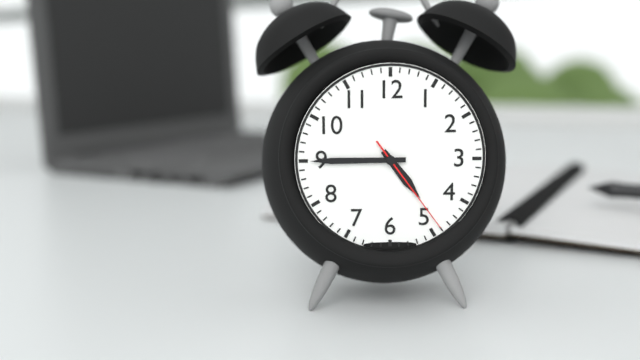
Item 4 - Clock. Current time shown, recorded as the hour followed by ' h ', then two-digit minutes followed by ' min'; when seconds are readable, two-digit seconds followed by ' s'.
4 h 45 min 24 s
